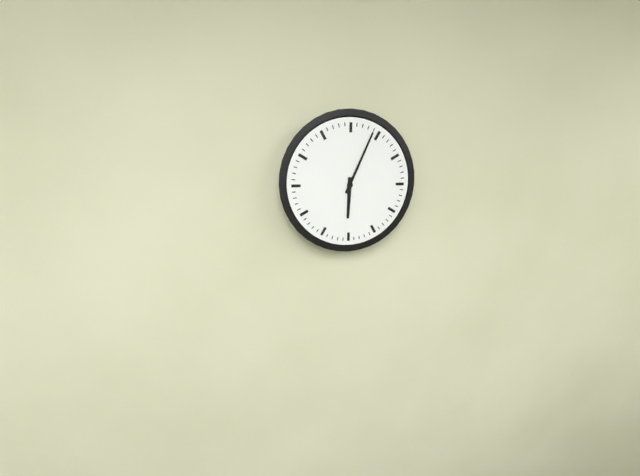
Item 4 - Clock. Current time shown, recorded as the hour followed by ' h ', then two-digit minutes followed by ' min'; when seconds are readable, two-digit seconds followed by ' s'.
6 h 04 min
